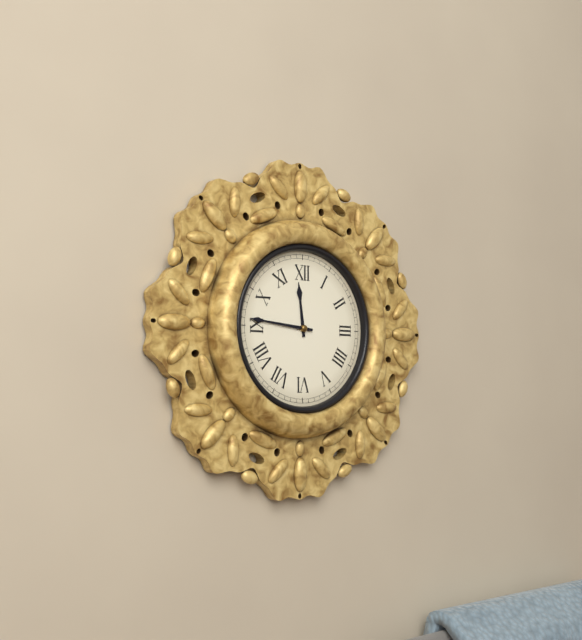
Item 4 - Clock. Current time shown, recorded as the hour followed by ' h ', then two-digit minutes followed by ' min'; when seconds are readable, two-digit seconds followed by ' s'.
11 h 46 min
